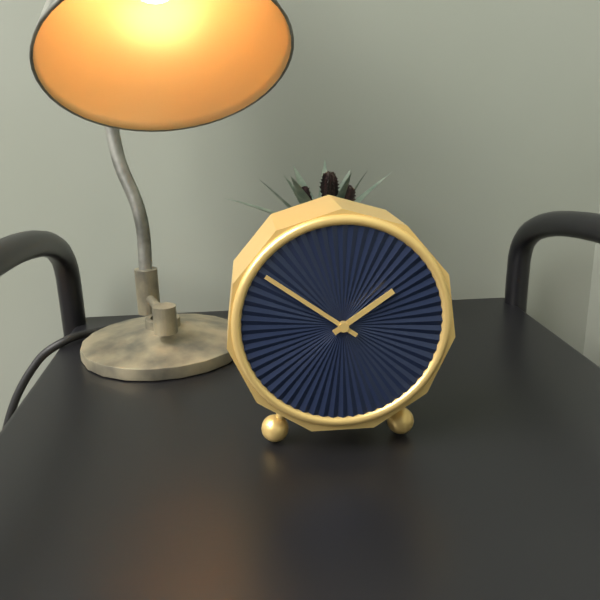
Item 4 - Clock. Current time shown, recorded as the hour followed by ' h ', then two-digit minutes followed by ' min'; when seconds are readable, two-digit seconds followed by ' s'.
1 h 51 min
